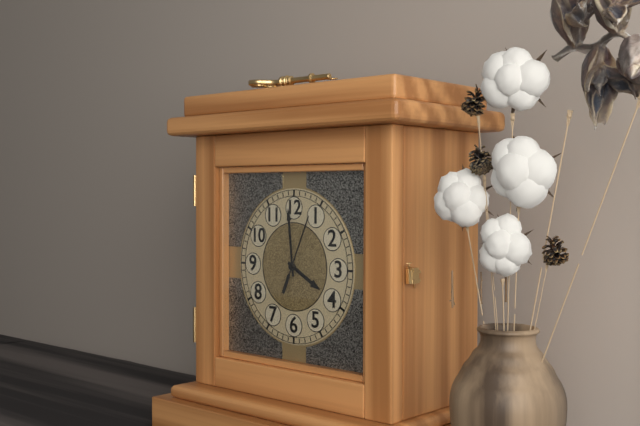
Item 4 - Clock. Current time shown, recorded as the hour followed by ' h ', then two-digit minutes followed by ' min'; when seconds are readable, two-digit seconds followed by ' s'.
3 h 59 min 04 s
